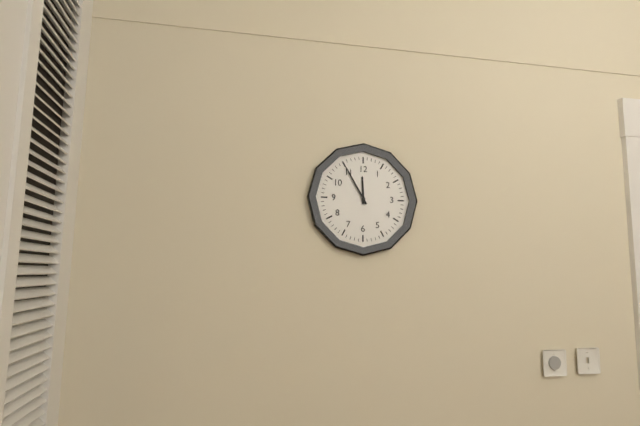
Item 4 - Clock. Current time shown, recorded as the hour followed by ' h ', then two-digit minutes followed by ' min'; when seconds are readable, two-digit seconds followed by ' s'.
11 h 55 min
